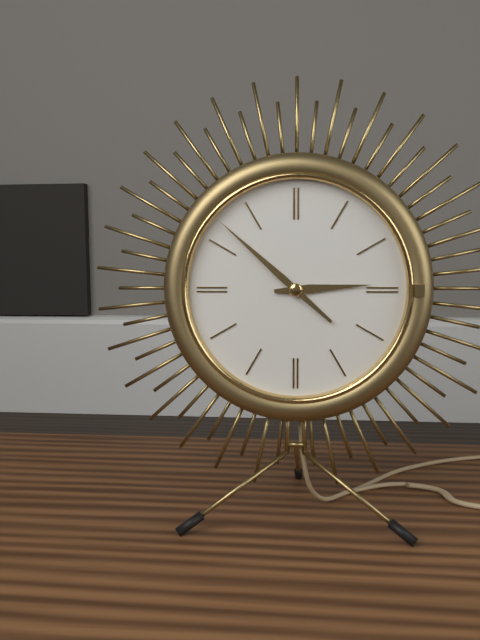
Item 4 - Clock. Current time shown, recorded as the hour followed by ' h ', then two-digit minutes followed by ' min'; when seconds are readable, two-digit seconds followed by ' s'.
2 h 52 min
